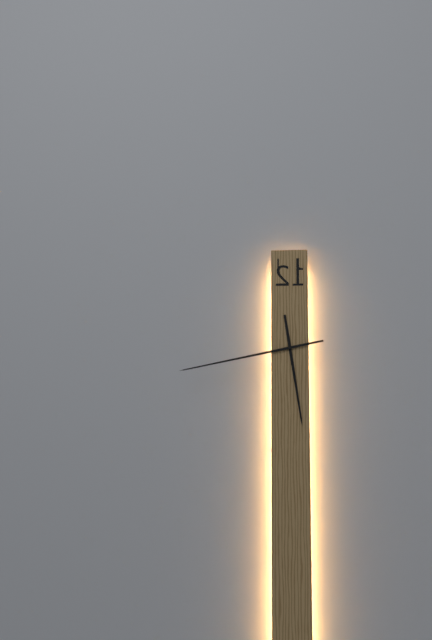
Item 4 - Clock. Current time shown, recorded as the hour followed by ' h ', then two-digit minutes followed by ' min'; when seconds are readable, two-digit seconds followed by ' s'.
5 h 43 min
